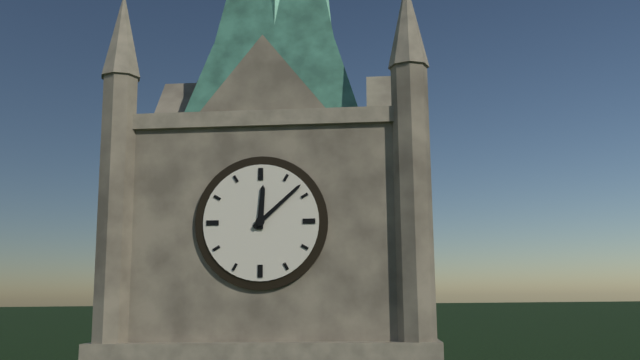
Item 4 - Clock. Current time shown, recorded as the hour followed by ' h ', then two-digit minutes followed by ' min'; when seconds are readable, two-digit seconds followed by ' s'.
12 h 08 min
